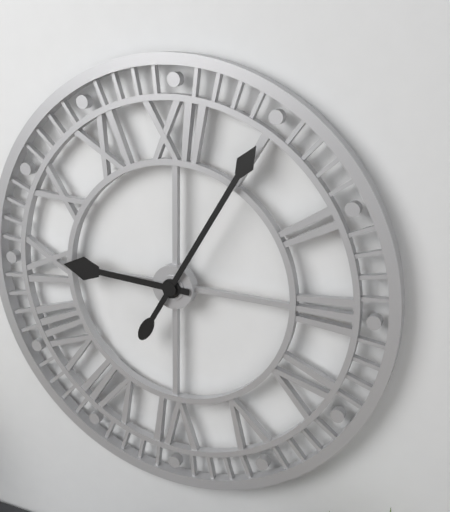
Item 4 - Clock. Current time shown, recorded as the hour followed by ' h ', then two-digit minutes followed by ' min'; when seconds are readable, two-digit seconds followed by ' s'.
9 h 05 min
